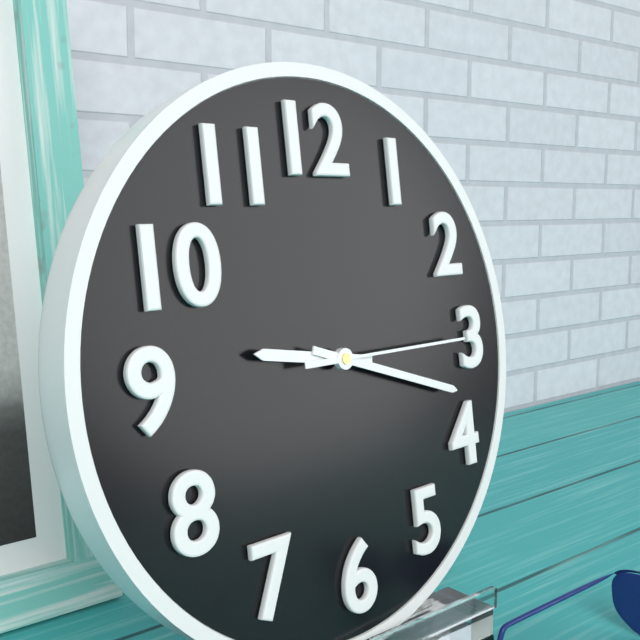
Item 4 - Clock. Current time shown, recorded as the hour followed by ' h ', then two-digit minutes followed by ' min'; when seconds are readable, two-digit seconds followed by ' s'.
9 h 18 min 15 s
